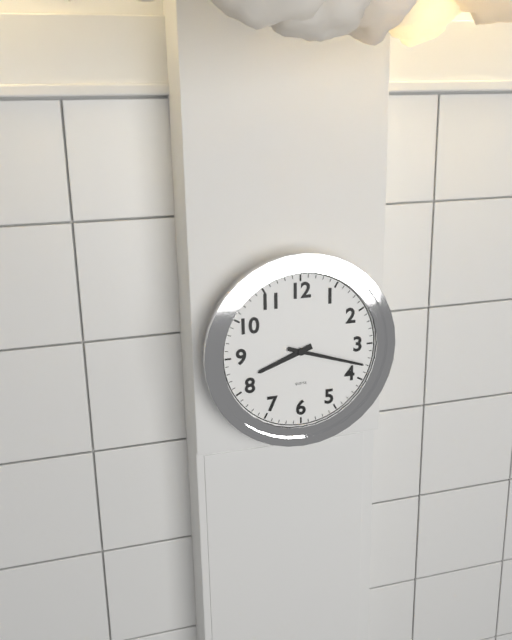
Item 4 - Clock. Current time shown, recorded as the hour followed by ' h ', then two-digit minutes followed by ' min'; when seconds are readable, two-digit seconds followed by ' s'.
8 h 18 min
